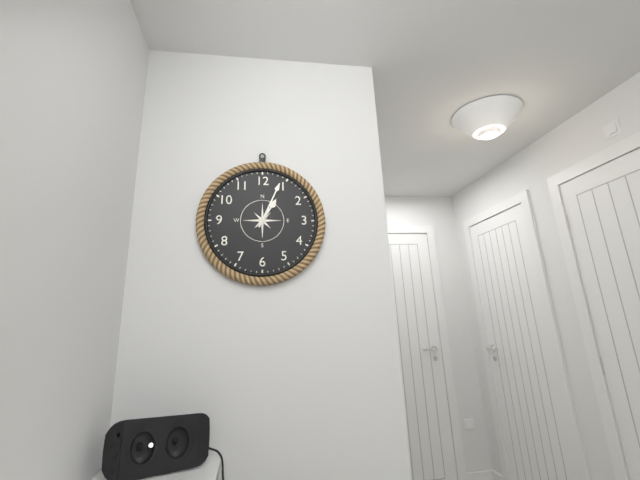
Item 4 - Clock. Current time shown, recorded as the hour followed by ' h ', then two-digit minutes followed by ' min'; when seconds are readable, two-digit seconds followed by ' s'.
1 h 04 min
